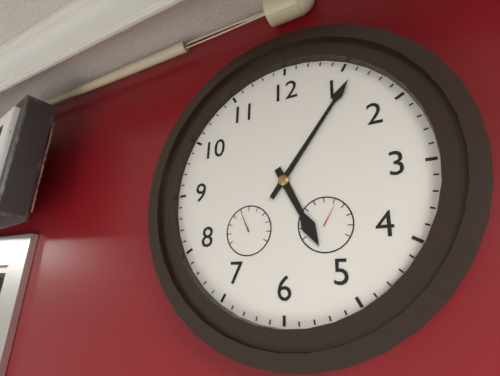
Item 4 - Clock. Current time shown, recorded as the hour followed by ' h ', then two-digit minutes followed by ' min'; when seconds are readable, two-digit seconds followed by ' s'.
5 h 06 min
